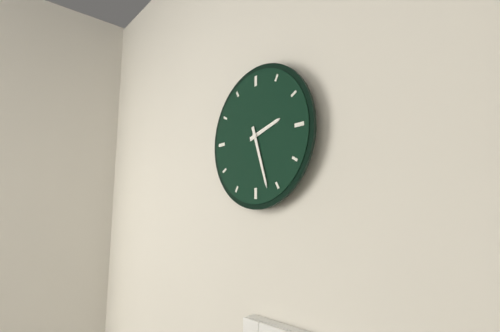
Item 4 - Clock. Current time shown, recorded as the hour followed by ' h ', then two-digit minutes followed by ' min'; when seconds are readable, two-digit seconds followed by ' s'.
2 h 27 min
